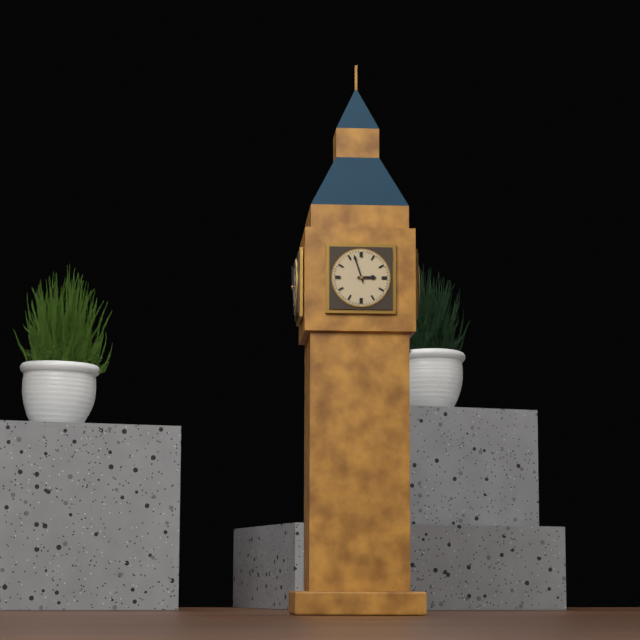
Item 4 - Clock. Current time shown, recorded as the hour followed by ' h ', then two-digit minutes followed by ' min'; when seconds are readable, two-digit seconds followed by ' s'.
2 h 57 min
